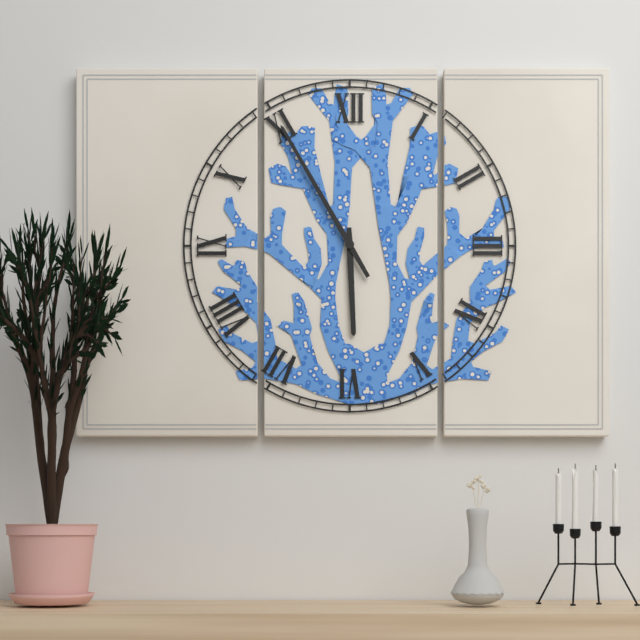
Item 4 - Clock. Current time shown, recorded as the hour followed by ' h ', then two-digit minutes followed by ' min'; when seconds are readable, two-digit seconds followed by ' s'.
5 h 55 min
